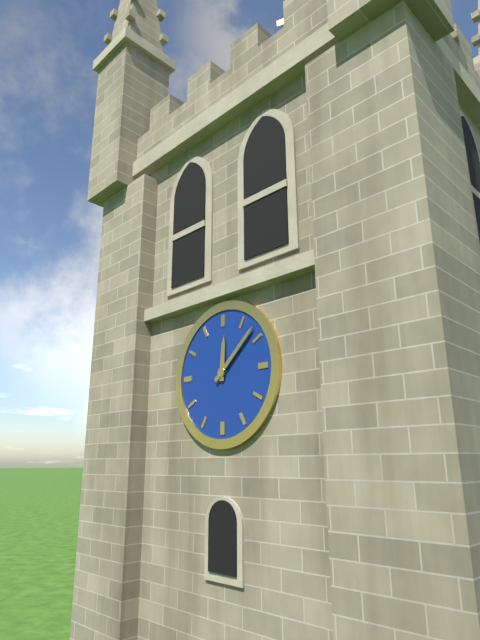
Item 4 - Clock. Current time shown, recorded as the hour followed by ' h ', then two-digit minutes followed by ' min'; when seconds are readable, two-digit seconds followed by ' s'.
12 h 08 min
